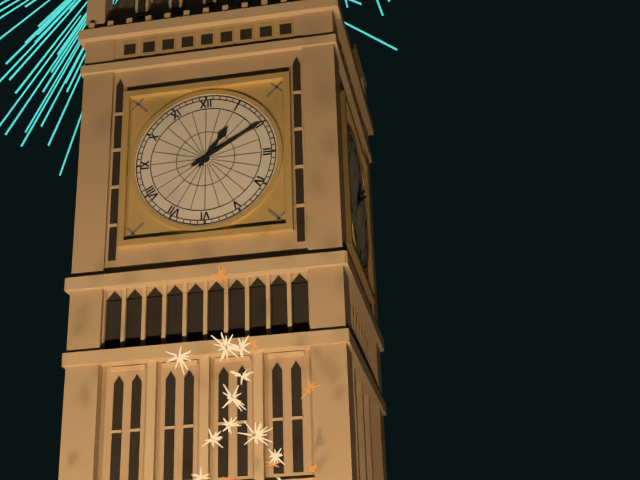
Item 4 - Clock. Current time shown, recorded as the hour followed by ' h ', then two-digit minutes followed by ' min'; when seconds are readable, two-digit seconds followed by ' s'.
1 h 10 min
